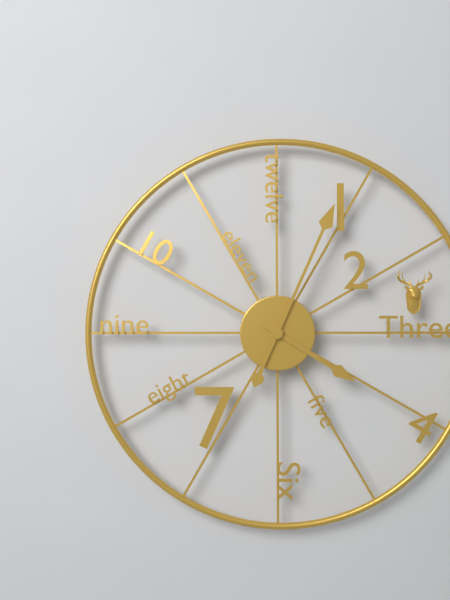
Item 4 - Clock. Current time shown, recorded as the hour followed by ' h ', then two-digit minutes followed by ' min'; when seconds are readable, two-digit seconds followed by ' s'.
4 h 04 min
